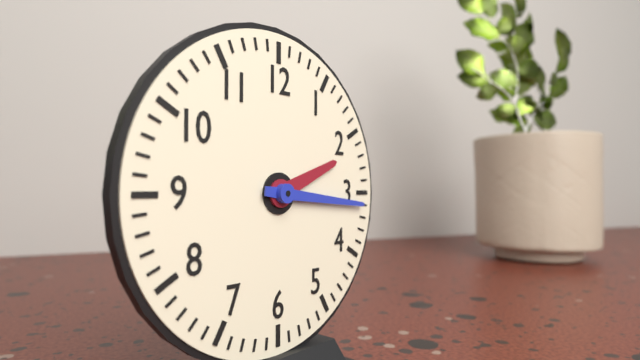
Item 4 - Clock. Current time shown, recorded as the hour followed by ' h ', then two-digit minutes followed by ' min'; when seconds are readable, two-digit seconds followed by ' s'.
2 h 16 min
